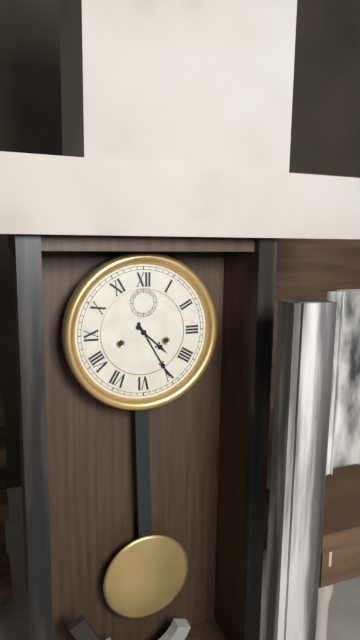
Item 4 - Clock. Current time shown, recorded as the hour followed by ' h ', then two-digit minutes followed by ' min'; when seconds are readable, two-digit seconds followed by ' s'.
4 h 25 min
